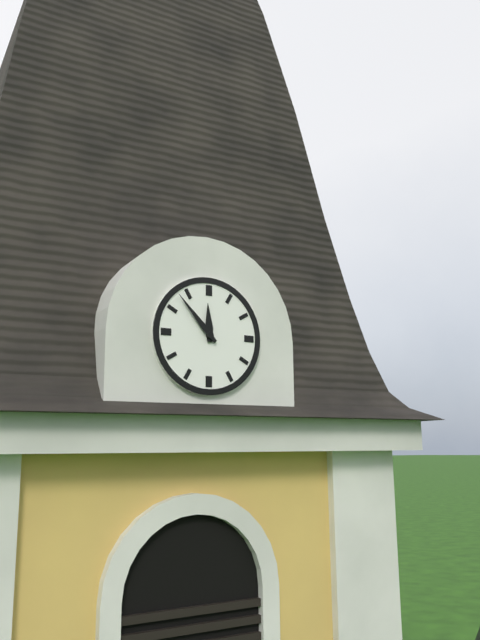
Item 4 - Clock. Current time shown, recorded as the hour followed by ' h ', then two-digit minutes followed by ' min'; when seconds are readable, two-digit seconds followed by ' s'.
11 h 53 min
